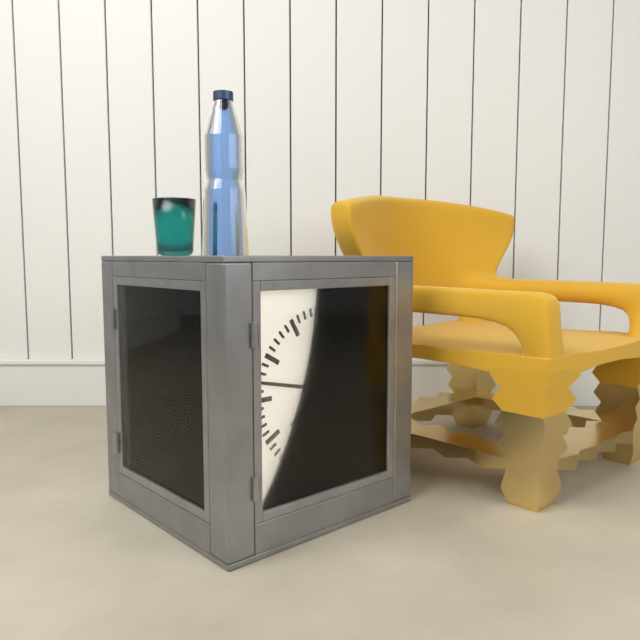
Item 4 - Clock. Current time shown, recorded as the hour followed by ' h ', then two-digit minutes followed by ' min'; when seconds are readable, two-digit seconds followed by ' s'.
7 h 47 min
